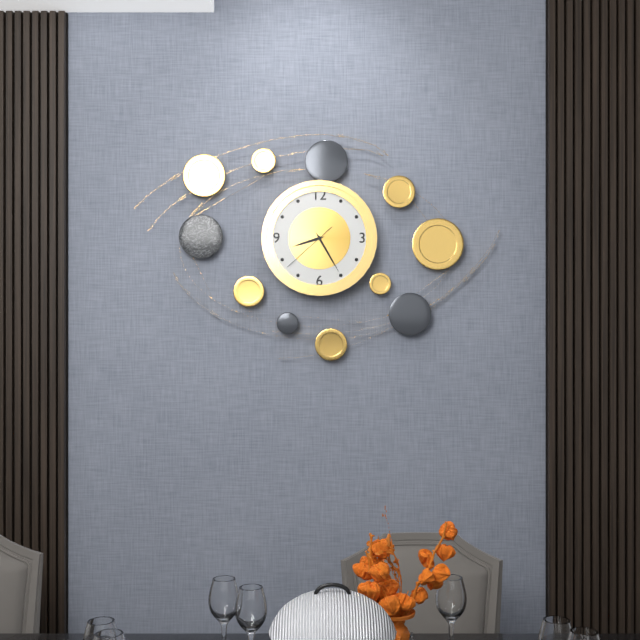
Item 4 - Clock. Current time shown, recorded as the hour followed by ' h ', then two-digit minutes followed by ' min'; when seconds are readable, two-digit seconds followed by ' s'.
8 h 25 min 38 s
